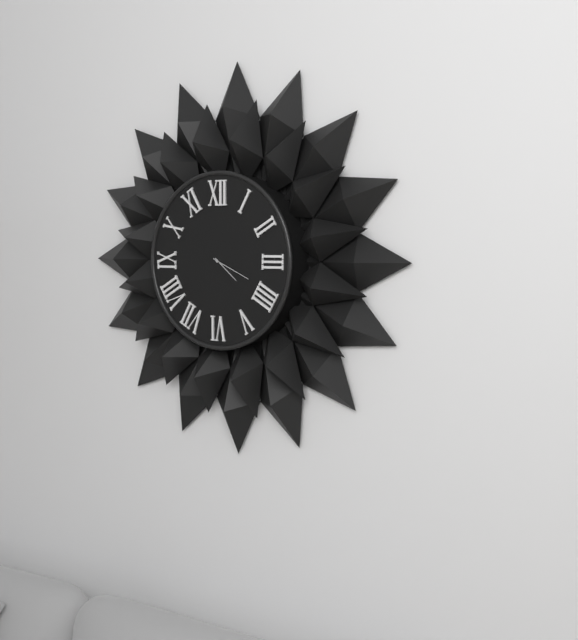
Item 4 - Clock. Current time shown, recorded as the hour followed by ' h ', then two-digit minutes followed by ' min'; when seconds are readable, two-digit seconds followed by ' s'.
4 h 19 min
